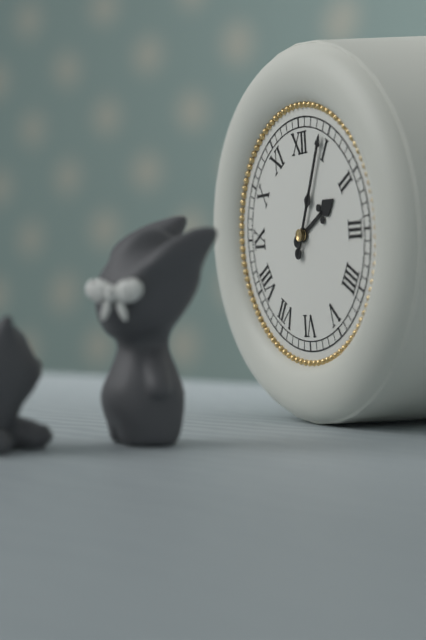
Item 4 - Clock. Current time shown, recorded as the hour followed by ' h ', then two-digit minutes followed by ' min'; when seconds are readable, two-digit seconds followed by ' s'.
2 h 04 min
